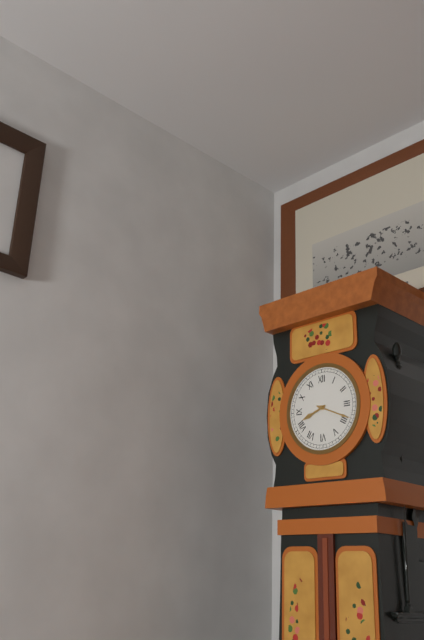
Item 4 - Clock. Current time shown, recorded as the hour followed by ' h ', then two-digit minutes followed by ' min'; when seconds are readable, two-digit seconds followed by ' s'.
8 h 19 min
